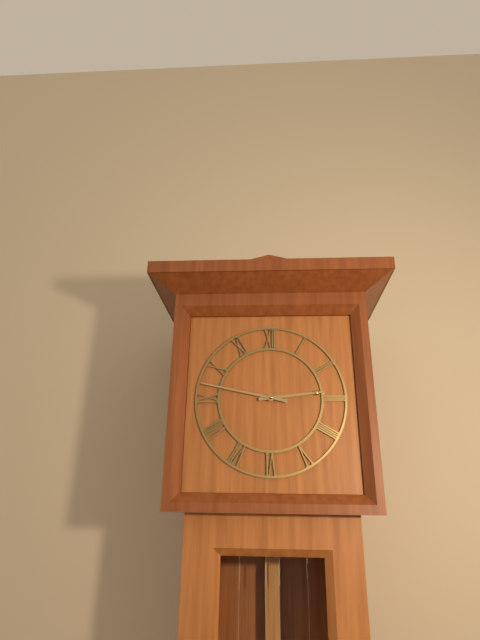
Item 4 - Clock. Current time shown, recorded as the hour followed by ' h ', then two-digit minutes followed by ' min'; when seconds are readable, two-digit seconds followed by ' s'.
2 h 47 min
